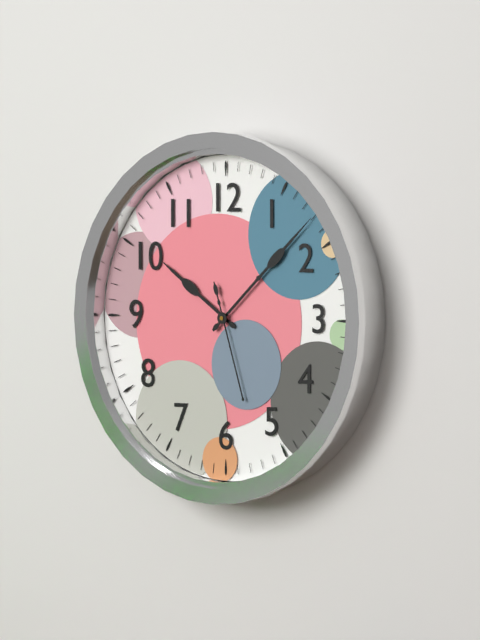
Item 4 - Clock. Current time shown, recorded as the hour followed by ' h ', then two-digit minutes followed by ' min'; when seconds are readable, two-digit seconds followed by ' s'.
10 h 08 min 27 s
